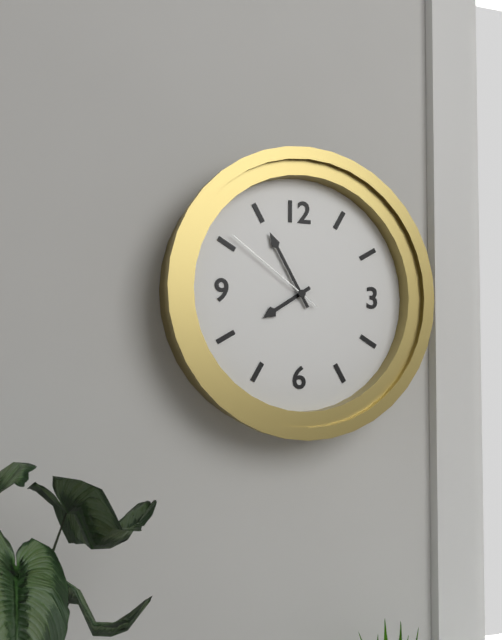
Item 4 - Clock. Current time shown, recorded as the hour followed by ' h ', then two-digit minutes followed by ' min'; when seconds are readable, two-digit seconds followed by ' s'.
7 h 55 min 51 s
